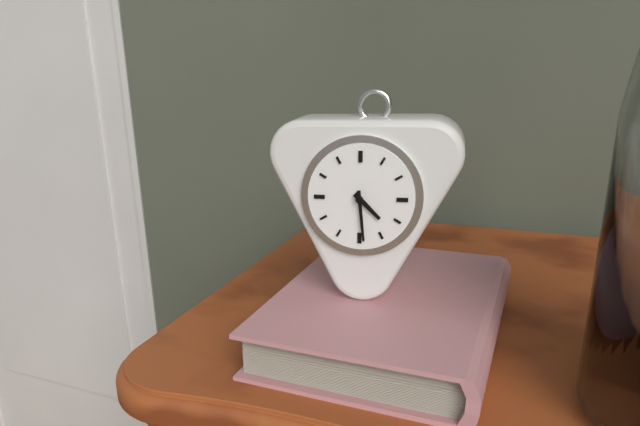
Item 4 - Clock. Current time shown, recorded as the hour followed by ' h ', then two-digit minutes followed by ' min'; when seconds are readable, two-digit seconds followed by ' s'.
4 h 29 min
